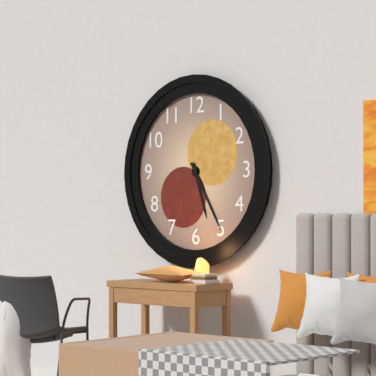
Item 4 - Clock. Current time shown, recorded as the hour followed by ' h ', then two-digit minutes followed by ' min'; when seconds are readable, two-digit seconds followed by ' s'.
5 h 25 min
